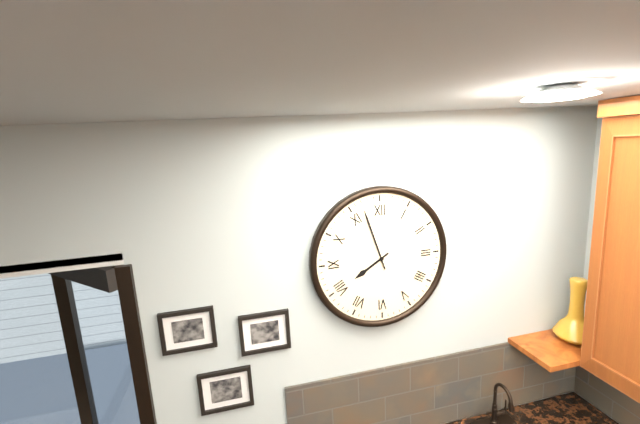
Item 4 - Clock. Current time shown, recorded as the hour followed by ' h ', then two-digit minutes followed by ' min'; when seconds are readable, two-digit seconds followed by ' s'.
7 h 57 min
